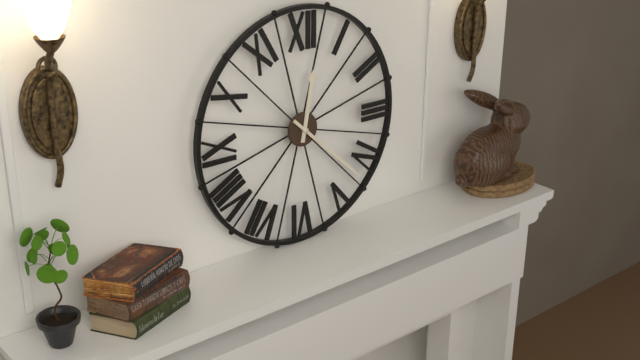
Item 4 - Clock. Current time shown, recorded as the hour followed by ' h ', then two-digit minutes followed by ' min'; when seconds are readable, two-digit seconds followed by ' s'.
12 h 22 min
